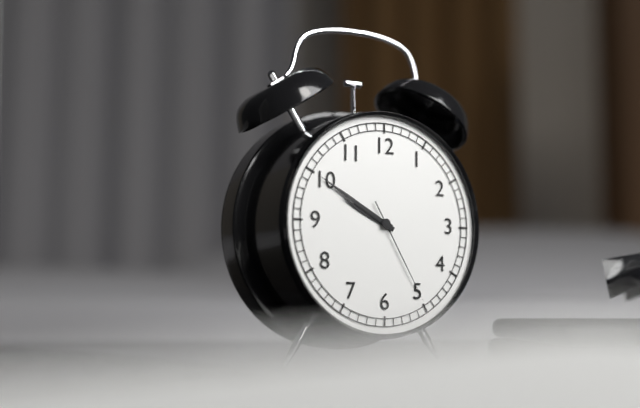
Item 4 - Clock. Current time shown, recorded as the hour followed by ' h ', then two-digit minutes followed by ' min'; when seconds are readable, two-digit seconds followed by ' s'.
9 h 50 min 25 s
